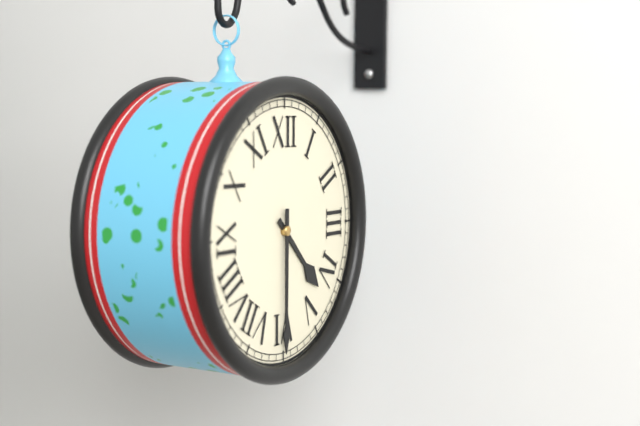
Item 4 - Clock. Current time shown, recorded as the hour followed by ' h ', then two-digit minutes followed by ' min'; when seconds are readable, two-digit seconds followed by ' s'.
4 h 30 min
